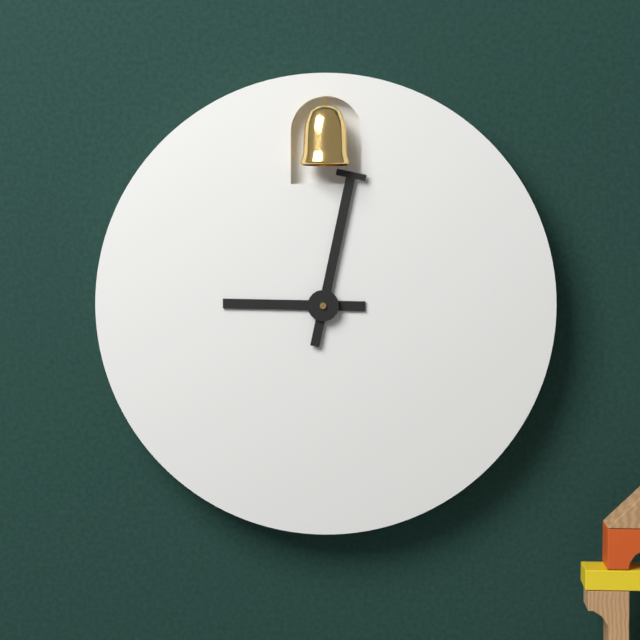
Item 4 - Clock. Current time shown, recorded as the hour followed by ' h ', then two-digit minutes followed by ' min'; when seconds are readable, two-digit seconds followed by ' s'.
9 h 02 min
